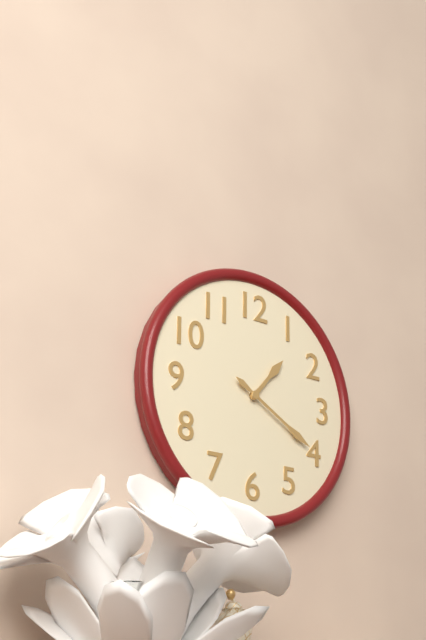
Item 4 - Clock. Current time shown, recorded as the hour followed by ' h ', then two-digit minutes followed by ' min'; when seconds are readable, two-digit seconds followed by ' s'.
1 h 20 min
